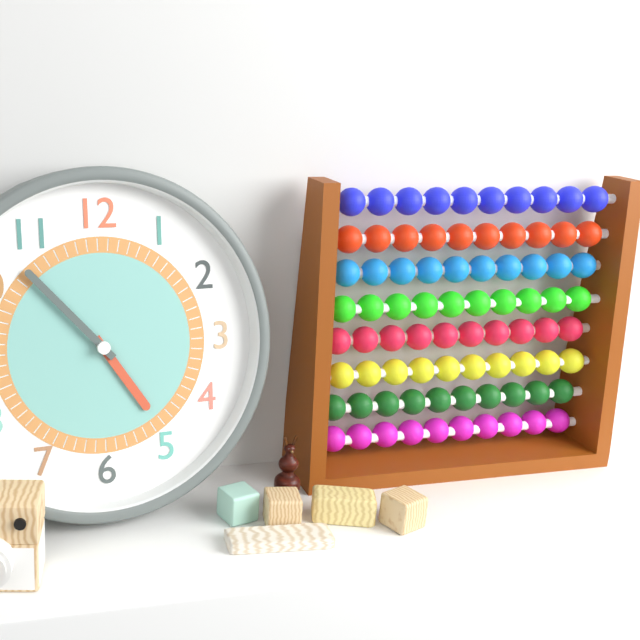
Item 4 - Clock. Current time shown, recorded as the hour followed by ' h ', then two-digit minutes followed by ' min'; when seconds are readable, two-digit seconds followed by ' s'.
4 h 53 min
